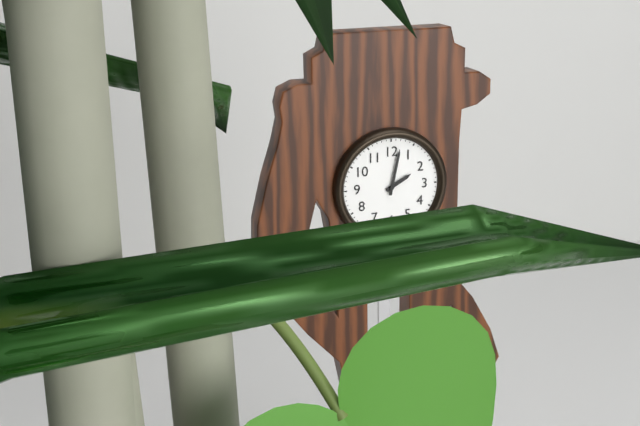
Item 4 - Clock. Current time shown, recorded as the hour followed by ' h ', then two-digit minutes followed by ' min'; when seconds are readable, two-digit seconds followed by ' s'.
2 h 02 min
